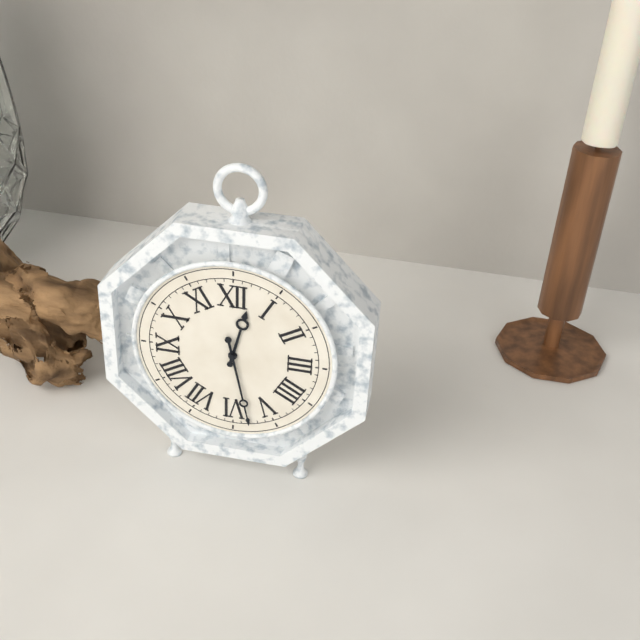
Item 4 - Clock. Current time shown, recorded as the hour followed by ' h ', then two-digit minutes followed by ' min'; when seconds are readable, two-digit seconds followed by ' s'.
12 h 28 min
